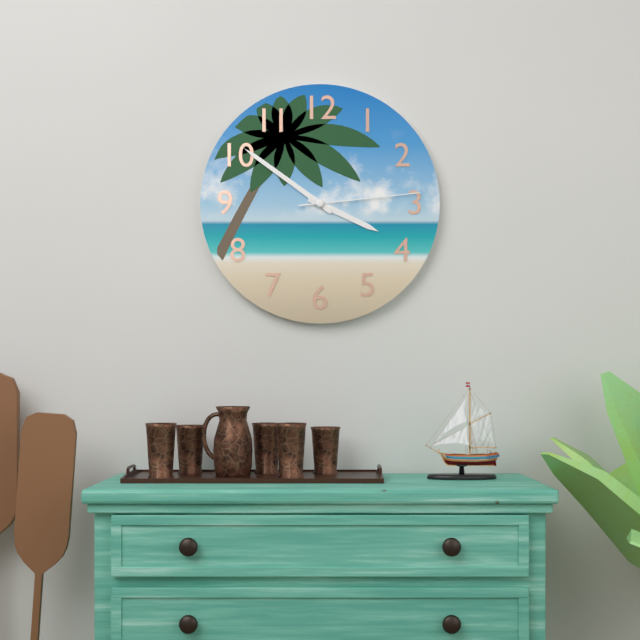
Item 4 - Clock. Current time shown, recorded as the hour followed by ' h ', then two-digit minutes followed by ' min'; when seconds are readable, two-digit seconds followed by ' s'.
3 h 51 min 14 s
